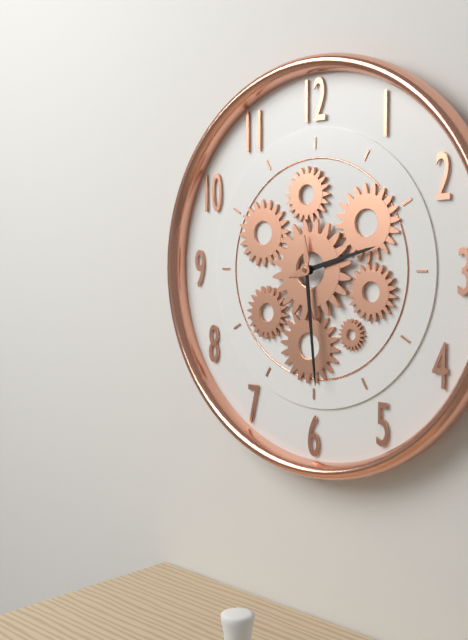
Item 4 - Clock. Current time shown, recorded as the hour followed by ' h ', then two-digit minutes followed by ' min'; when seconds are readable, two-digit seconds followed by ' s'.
2 h 29 min
